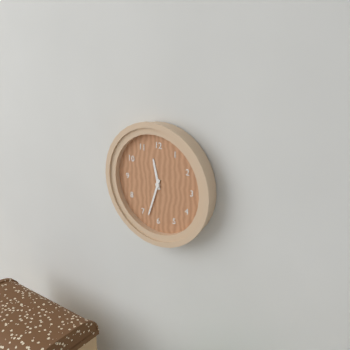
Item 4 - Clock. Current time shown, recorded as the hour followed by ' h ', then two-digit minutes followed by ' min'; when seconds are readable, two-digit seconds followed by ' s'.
11 h 33 min
